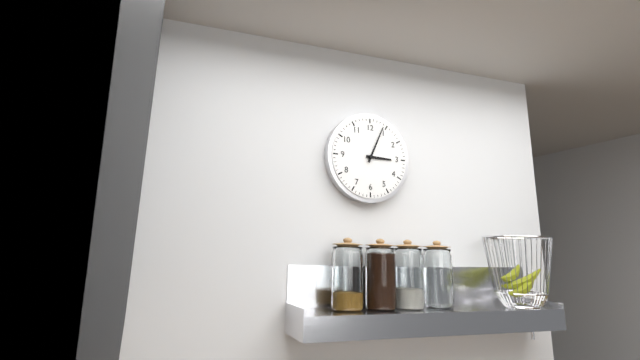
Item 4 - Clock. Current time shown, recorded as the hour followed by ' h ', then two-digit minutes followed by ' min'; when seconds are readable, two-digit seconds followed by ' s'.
3 h 04 min
